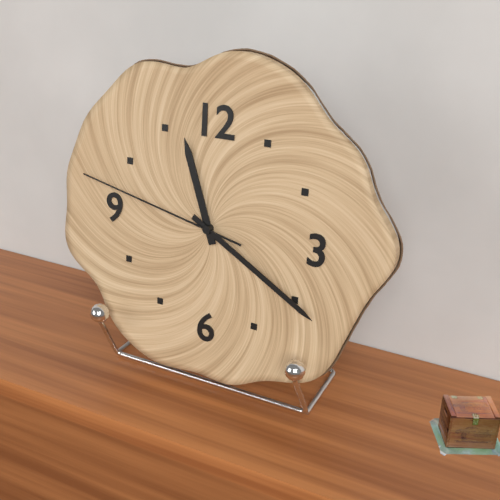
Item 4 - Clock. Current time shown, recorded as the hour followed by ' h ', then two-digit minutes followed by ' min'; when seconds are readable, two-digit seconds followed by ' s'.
11 h 20 min 47 s
